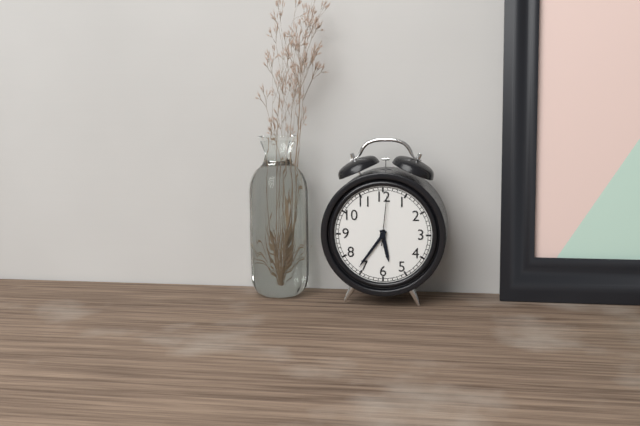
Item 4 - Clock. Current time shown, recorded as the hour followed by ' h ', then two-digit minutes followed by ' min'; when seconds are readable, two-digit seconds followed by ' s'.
5 h 36 min 01 s
